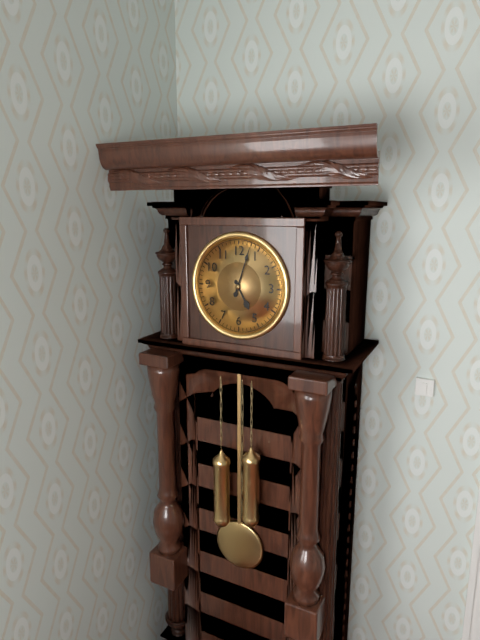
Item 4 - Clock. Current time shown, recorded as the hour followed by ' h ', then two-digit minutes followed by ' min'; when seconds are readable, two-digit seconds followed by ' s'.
5 h 03 min
